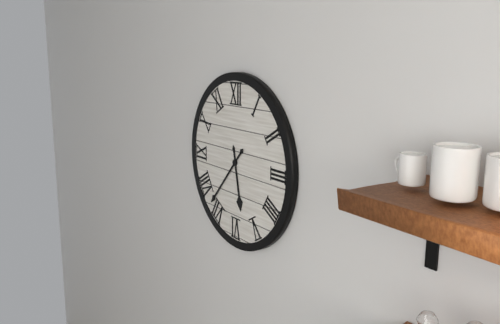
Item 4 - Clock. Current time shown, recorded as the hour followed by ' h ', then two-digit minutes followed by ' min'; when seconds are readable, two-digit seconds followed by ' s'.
5 h 37 min
